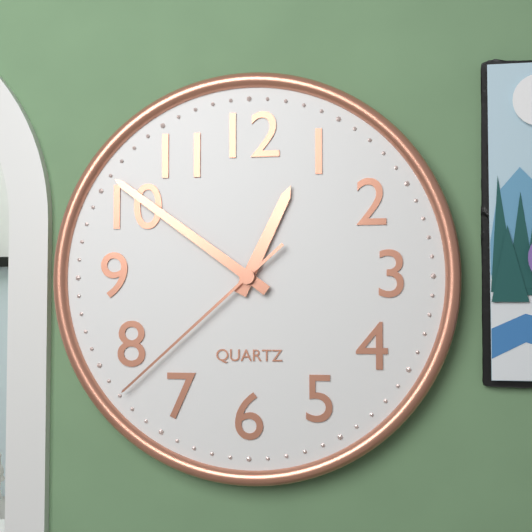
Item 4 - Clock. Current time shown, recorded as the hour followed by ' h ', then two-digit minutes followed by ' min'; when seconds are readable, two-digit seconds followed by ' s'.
12 h 51 min 38 s
